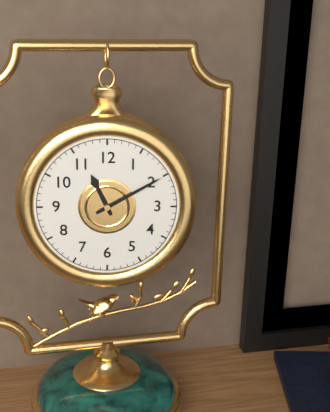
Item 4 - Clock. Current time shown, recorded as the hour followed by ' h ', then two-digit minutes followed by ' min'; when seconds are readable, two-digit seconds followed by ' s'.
11 h 10 min
